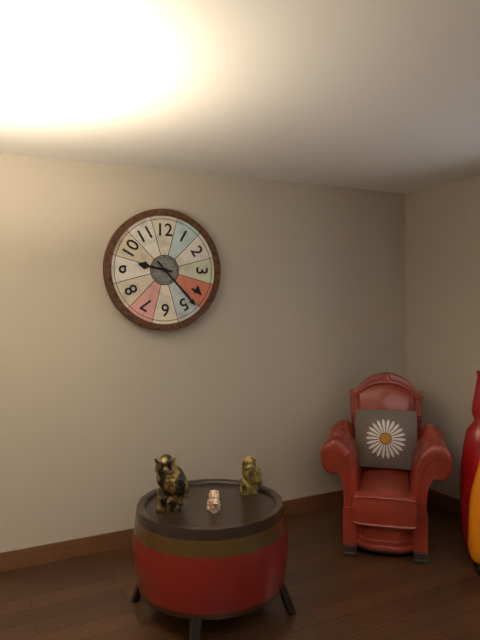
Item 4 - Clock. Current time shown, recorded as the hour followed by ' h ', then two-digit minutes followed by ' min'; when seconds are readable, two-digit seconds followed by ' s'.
9 h 23 min
